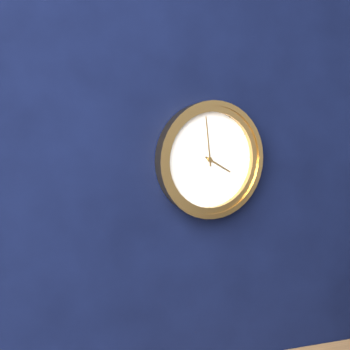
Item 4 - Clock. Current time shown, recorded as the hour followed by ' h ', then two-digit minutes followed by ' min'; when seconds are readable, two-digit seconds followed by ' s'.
3 h 59 min
